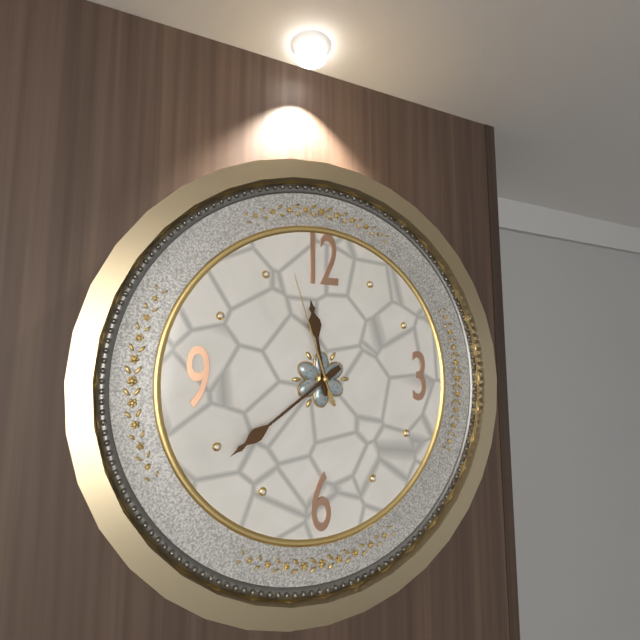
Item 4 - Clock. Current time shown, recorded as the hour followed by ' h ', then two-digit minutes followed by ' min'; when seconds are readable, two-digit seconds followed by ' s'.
11 h 39 min 57 s
